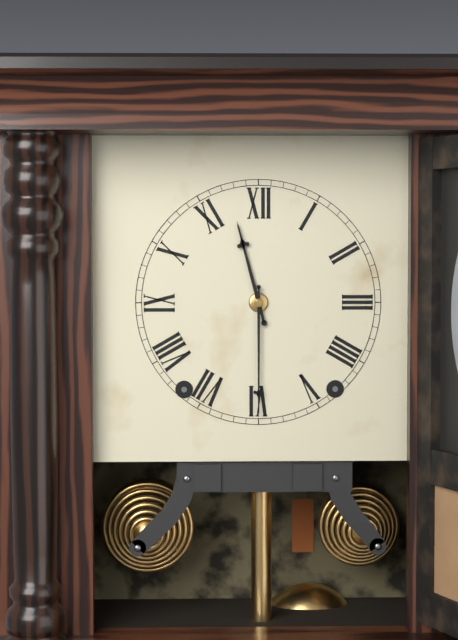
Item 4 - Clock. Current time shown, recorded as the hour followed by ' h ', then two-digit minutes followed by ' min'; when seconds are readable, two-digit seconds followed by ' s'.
11 h 30 min
